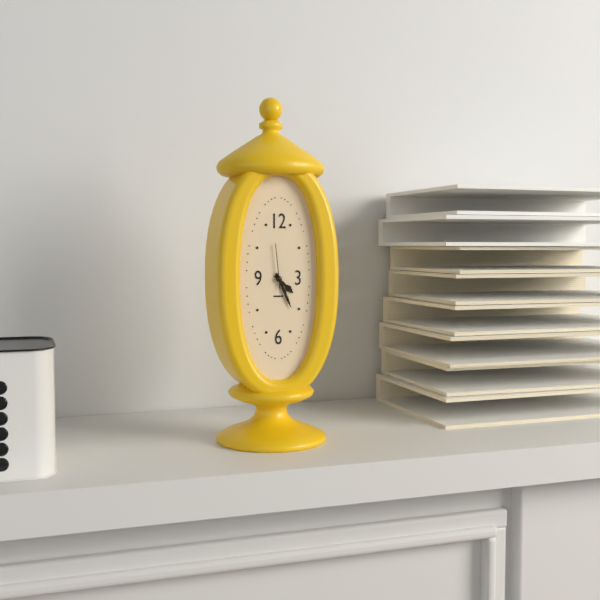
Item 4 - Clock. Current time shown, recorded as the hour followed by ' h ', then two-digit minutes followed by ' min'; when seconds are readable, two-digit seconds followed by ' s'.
4 h 26 min
